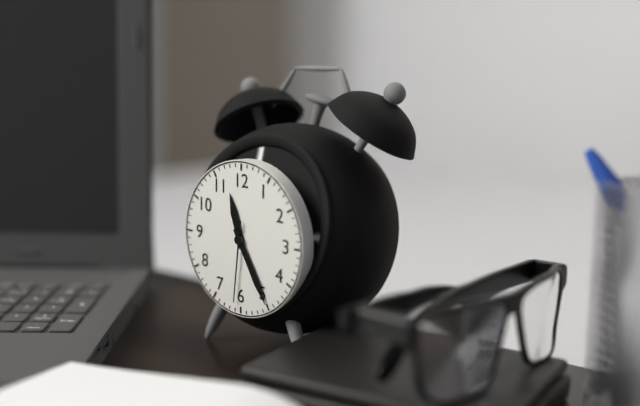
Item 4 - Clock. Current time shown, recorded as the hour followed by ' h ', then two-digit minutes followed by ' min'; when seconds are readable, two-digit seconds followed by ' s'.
11 h 25 min 31 s
